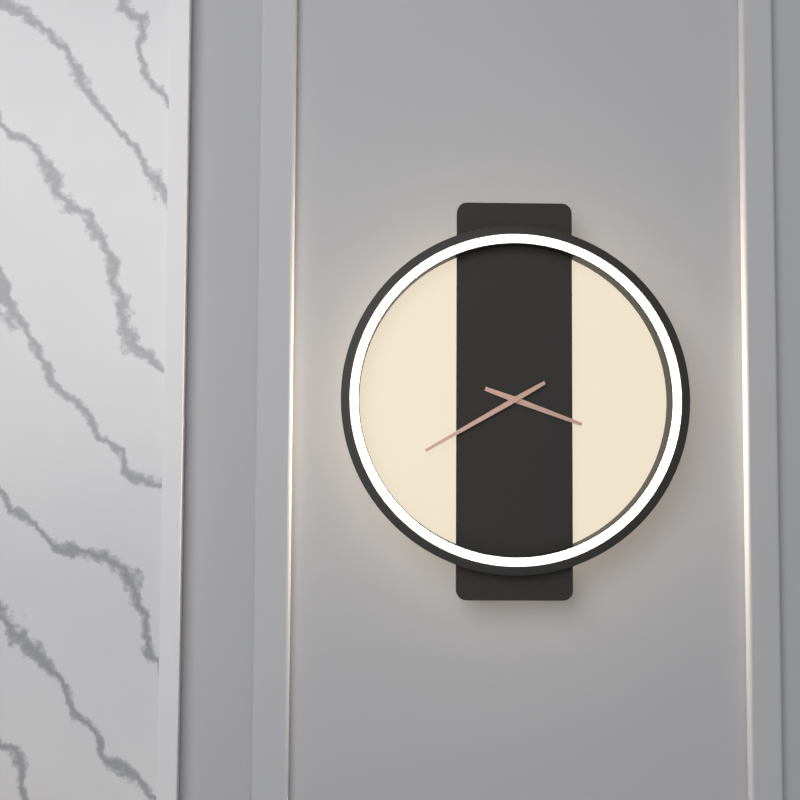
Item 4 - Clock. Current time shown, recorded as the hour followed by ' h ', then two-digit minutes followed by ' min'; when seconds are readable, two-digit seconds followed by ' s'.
3 h 40 min
